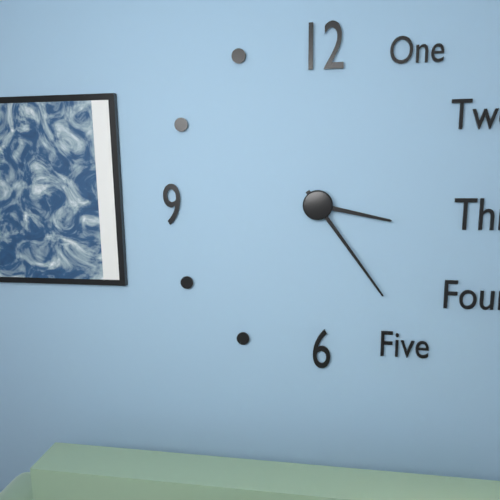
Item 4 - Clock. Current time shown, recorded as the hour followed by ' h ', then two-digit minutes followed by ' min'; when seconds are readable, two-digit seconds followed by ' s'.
3 h 24 min
